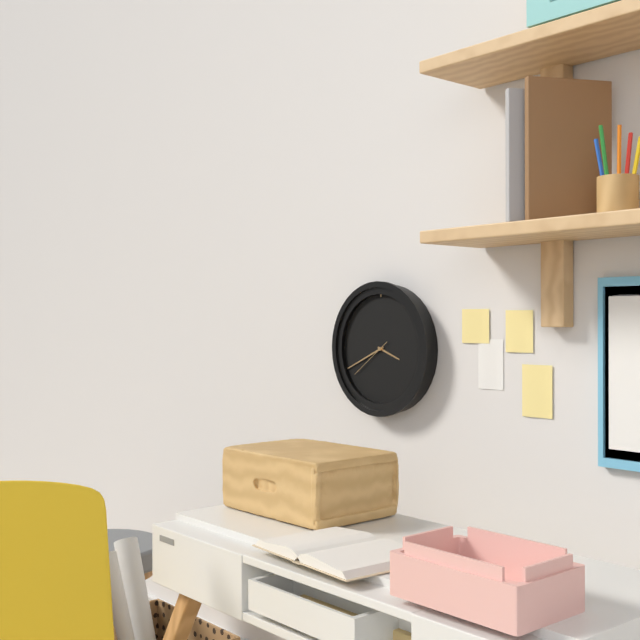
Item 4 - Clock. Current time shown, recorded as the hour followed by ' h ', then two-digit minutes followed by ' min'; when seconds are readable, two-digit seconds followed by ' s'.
3 h 41 min
